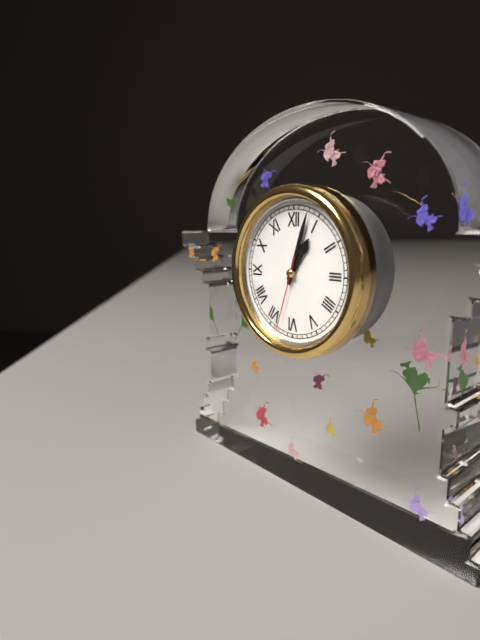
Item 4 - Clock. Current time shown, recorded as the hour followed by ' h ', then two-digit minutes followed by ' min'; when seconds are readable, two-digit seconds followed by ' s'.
1 h 03 min 33 s
